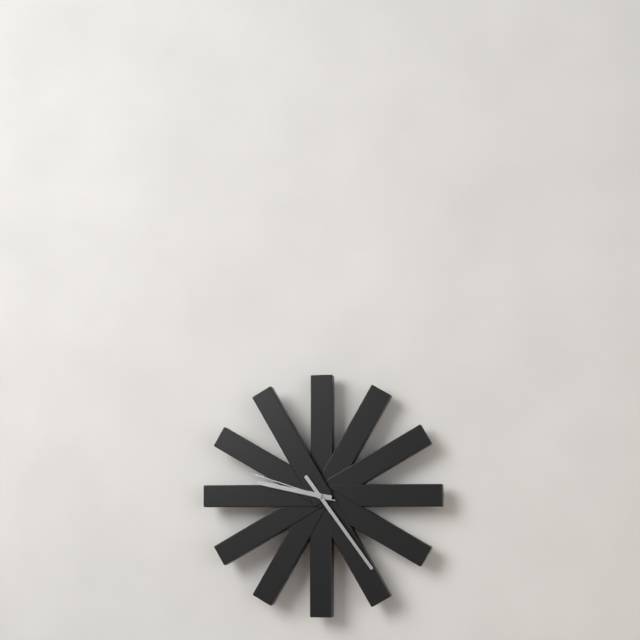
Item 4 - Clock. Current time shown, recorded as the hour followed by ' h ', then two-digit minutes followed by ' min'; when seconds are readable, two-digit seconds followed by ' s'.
9 h 24 min 48 s
